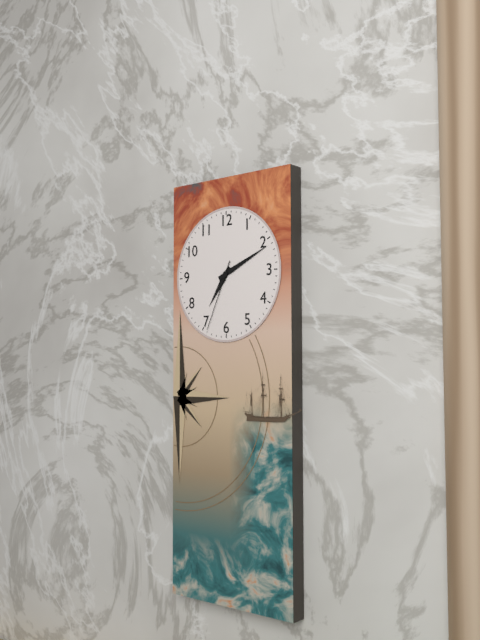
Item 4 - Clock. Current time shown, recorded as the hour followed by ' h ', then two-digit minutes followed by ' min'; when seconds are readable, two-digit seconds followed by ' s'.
7 h 11 min 34 s
